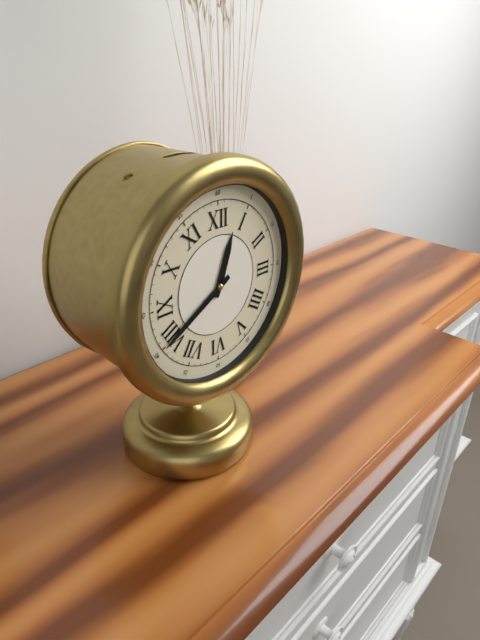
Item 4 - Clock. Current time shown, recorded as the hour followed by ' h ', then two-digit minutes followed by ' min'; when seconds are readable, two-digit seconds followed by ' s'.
12 h 40 min
